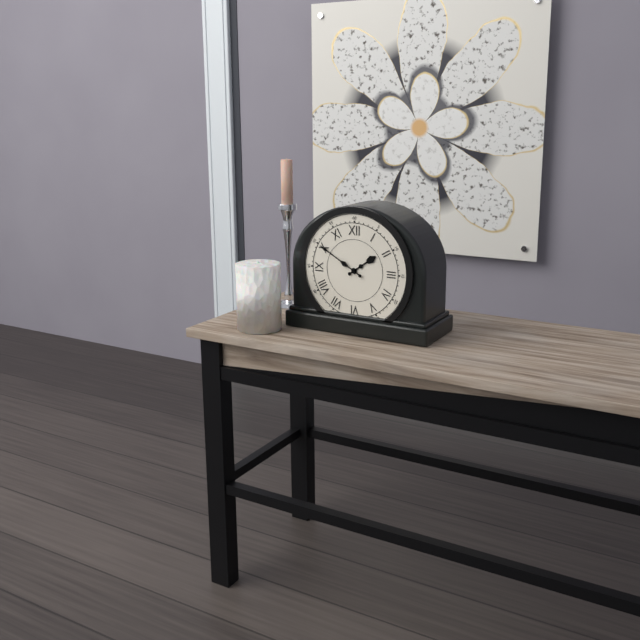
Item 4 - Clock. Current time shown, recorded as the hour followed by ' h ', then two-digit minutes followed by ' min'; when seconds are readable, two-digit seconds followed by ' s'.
1 h 50 min
